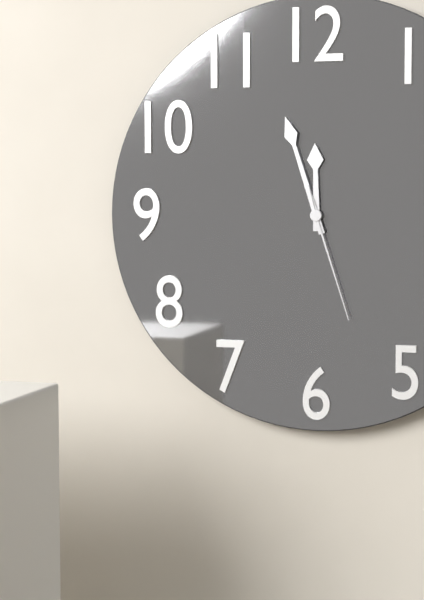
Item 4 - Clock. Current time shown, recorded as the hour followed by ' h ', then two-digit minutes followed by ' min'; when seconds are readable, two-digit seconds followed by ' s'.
11 h 57 min 27 s
